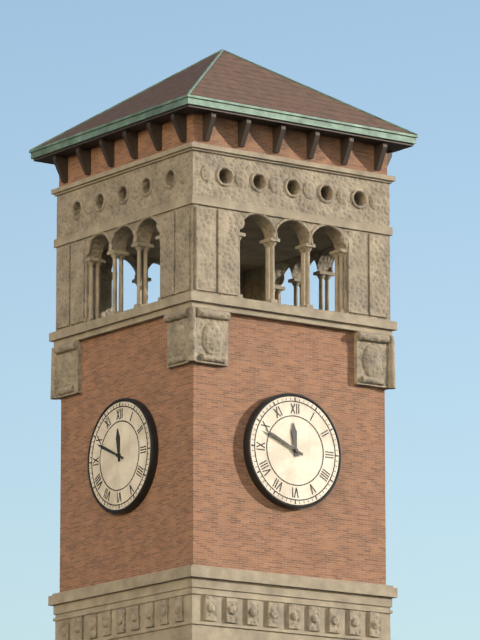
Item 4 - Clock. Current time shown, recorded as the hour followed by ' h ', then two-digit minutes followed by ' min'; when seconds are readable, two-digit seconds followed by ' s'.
11 h 49 min
